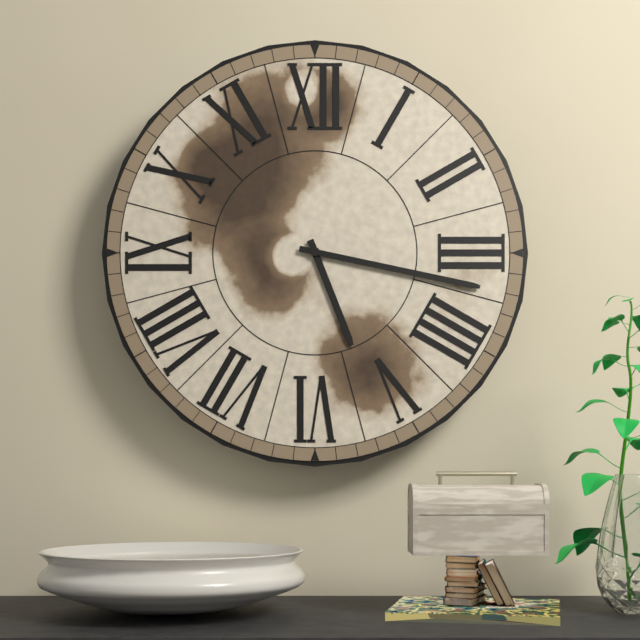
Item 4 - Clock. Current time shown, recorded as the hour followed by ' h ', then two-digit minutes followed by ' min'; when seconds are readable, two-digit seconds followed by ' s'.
5 h 17 min
